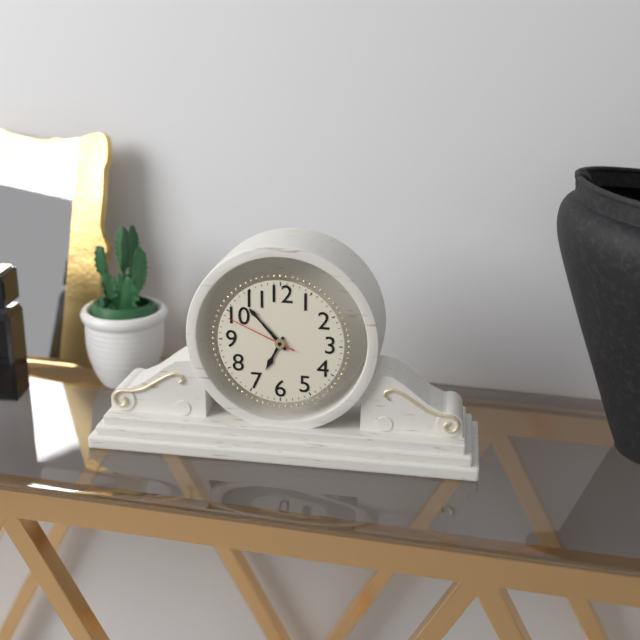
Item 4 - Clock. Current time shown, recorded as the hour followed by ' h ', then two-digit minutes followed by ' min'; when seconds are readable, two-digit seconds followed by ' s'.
6 h 53 min 49 s
